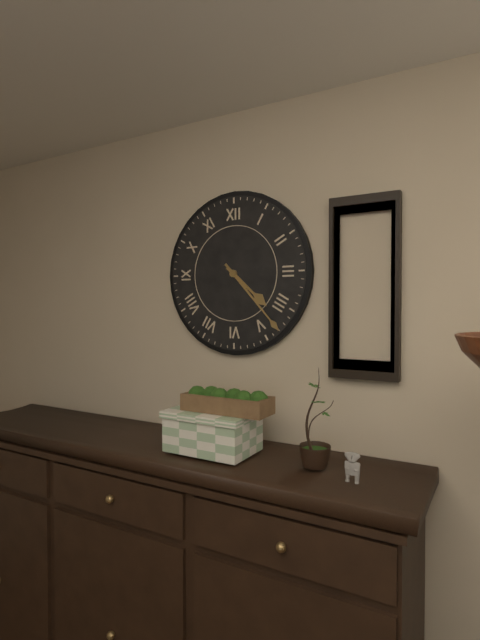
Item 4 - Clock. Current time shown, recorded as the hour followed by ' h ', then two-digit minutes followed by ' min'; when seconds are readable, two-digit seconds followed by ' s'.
4 h 23 min
